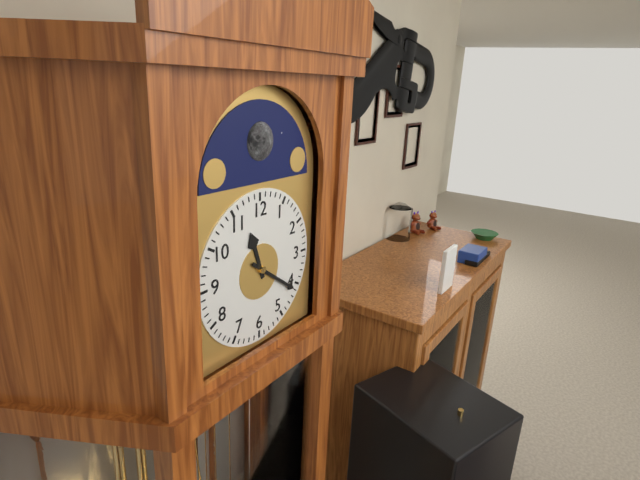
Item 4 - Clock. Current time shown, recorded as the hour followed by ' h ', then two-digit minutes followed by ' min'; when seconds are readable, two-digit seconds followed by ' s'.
11 h 21 min
